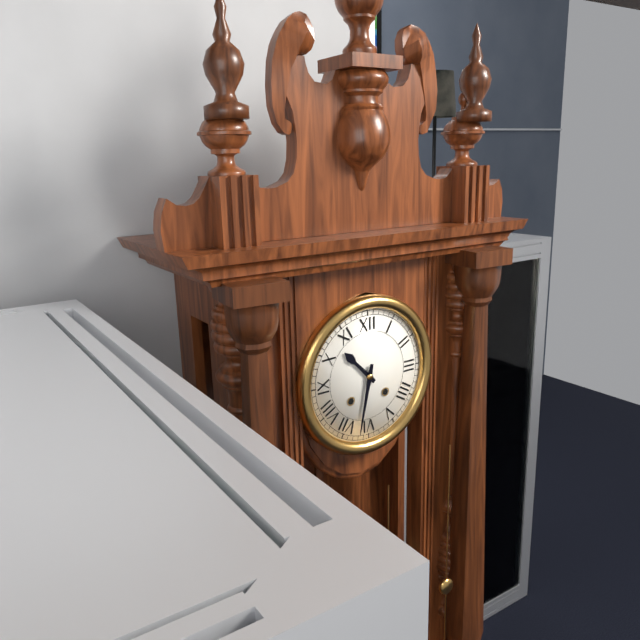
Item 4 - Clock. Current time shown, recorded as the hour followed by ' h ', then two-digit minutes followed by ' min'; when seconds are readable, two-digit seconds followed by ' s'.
10 h 32 min
